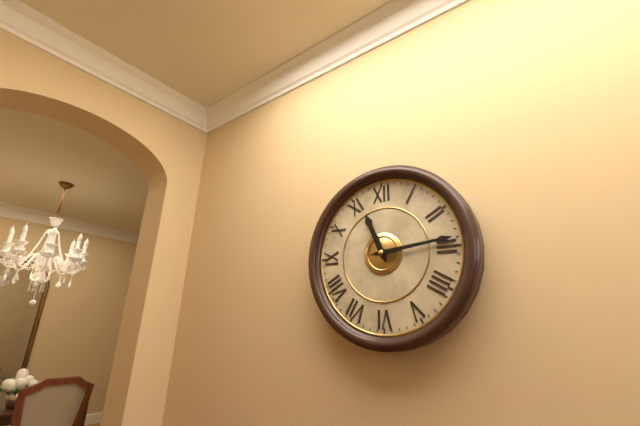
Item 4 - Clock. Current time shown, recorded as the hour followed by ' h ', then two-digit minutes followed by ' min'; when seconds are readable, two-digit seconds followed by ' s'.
11 h 14 min
